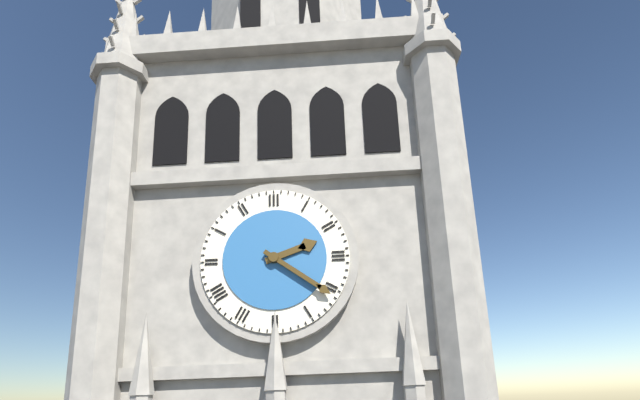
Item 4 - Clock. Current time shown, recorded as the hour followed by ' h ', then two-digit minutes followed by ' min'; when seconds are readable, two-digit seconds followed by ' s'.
2 h 21 min
